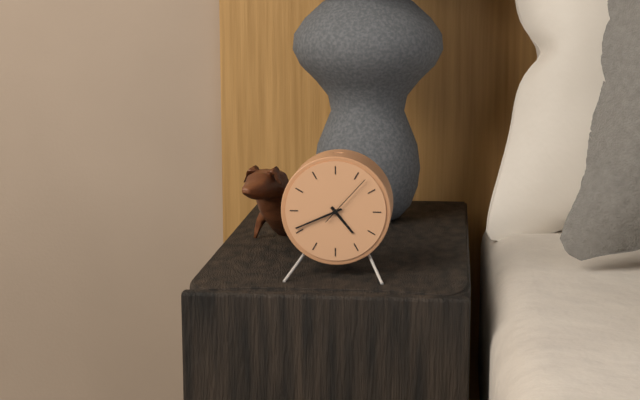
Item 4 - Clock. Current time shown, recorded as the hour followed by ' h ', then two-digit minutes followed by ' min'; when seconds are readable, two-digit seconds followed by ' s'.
4 h 41 min 07 s
